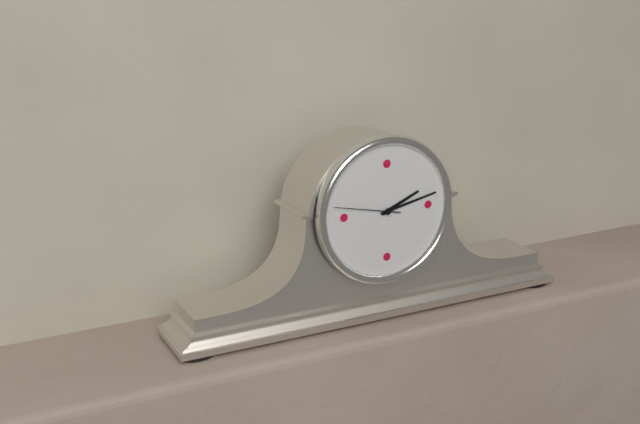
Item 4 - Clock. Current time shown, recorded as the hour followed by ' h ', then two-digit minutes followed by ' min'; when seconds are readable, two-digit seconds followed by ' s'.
2 h 13 min 47 s
